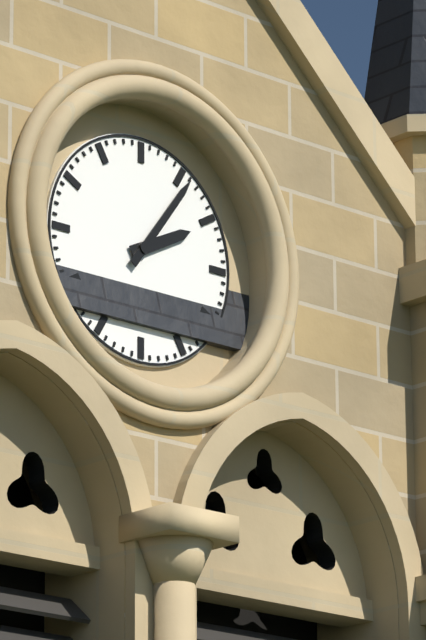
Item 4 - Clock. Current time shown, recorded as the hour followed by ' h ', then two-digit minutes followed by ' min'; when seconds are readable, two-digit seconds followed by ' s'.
2 h 06 min
